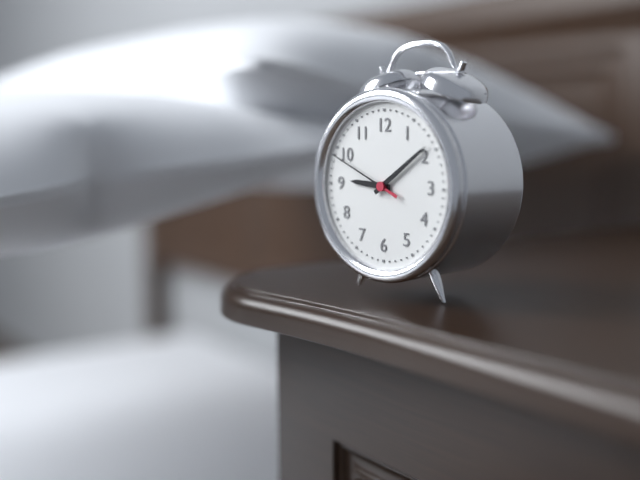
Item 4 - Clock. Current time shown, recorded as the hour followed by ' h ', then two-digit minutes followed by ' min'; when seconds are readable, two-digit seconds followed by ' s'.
9 h 09 min 49 s
